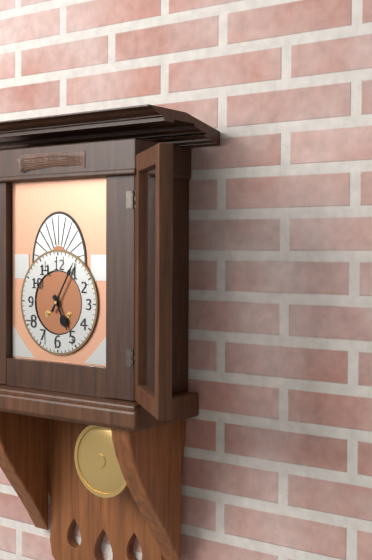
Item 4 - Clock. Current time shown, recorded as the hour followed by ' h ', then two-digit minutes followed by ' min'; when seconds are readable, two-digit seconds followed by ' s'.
5 h 05 min
